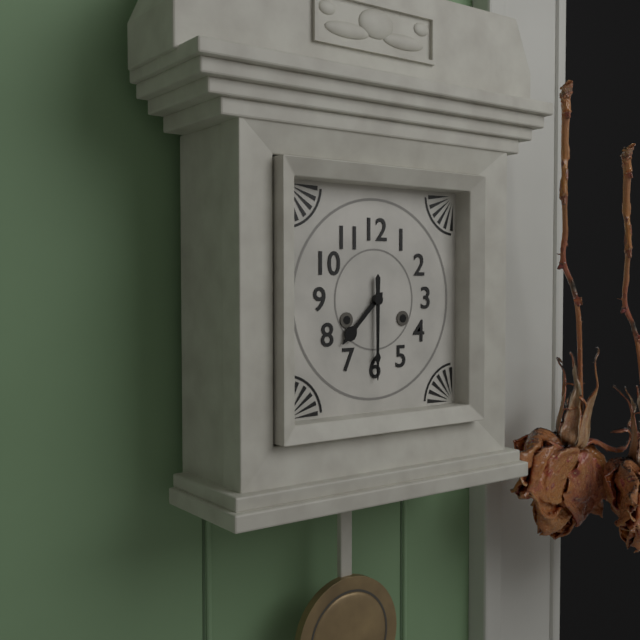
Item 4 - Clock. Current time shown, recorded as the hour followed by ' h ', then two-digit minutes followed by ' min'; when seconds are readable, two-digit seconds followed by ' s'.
7 h 30 min
